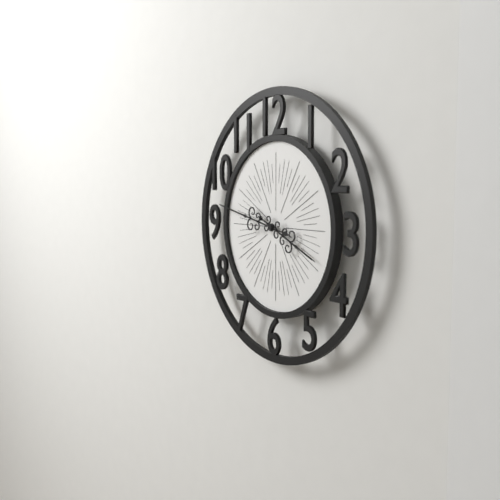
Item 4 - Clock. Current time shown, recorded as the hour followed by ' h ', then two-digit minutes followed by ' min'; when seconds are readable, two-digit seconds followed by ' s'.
3 h 47 min
